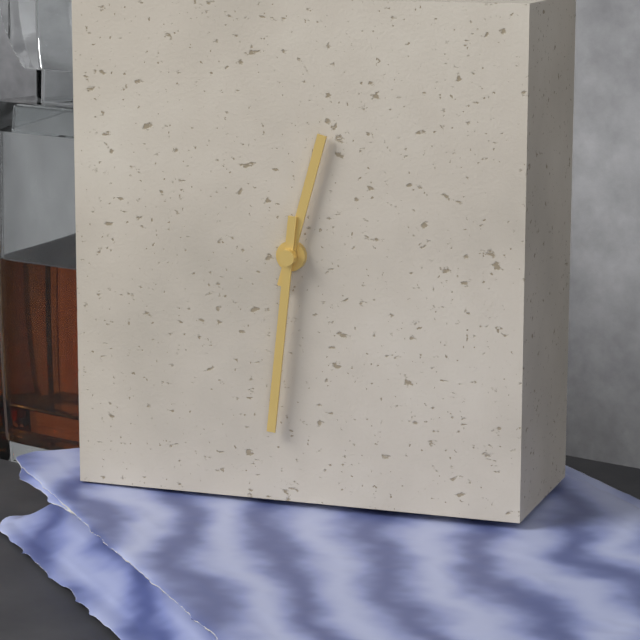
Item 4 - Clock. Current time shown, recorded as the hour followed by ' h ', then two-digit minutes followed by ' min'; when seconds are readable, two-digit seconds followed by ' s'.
12 h 31 min
